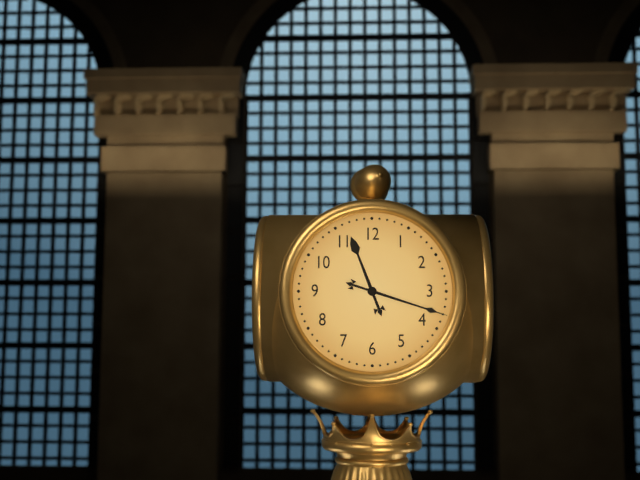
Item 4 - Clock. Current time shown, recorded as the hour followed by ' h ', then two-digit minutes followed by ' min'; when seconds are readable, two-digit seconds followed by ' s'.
11 h 18 min
